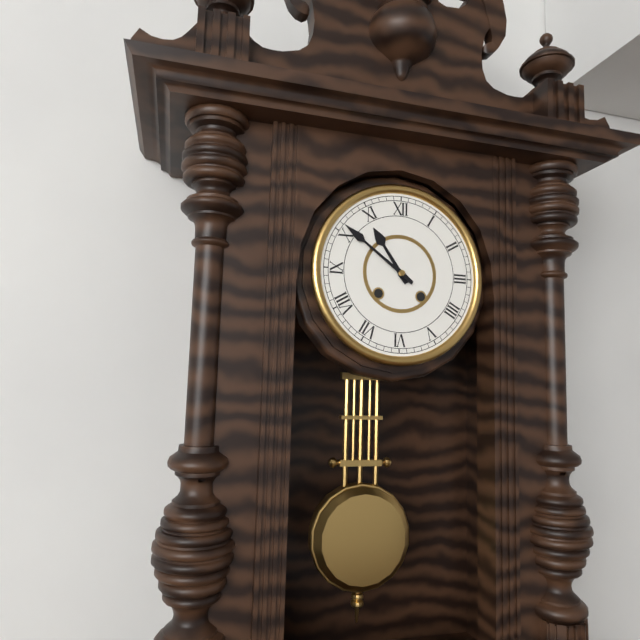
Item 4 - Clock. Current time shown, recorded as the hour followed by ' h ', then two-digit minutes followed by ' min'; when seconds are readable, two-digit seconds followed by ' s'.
10 h 51 min
